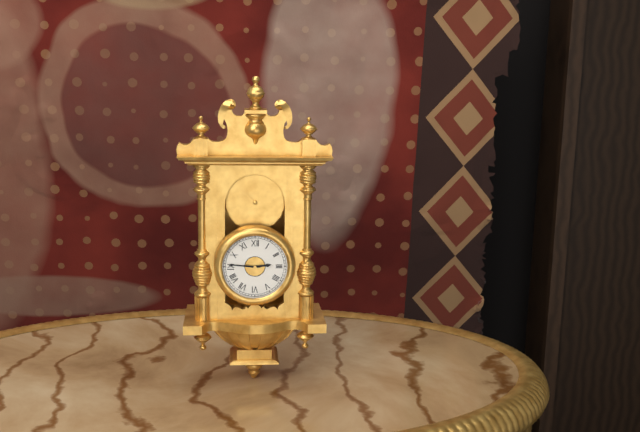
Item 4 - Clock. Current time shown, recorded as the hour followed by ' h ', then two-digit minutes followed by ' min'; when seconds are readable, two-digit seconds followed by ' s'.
2 h 46 min
